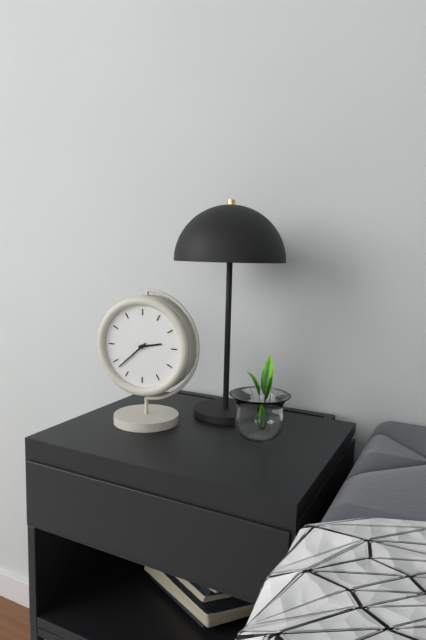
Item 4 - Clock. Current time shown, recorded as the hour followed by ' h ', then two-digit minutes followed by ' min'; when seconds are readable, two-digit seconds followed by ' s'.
2 h 38 min
